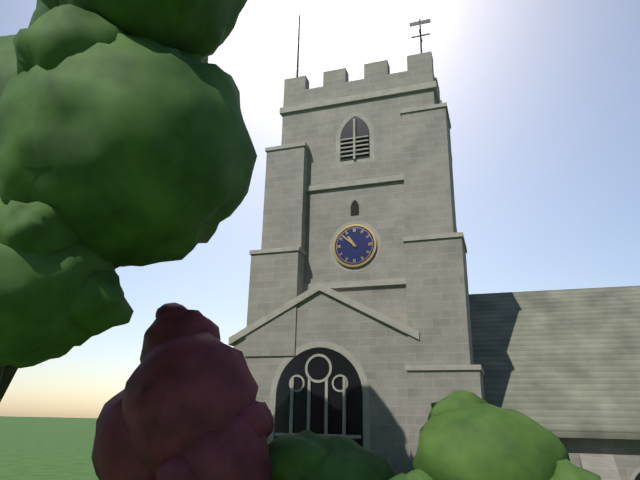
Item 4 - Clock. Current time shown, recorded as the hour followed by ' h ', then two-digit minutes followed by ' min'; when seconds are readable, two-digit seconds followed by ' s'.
10 h 52 min
